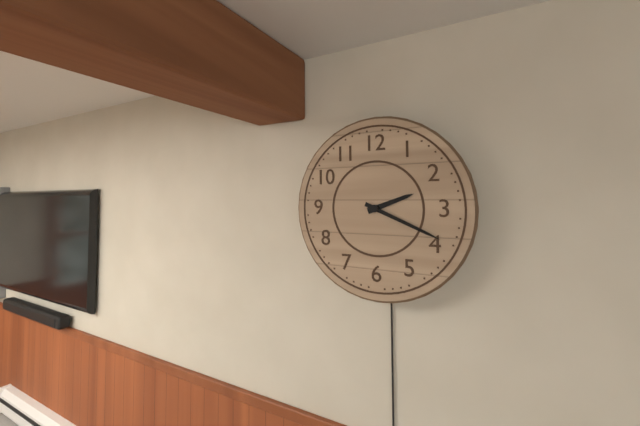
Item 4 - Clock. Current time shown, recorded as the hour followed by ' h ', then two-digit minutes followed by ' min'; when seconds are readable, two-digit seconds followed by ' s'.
2 h 19 min
